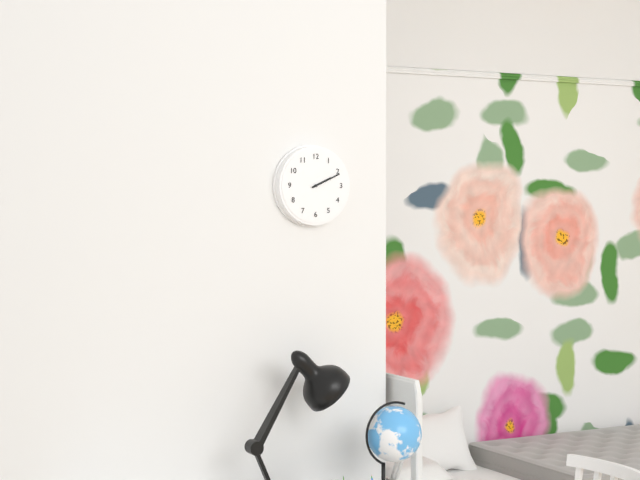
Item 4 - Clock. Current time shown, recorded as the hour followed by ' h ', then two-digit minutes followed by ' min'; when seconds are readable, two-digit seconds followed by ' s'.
2 h 11 min
